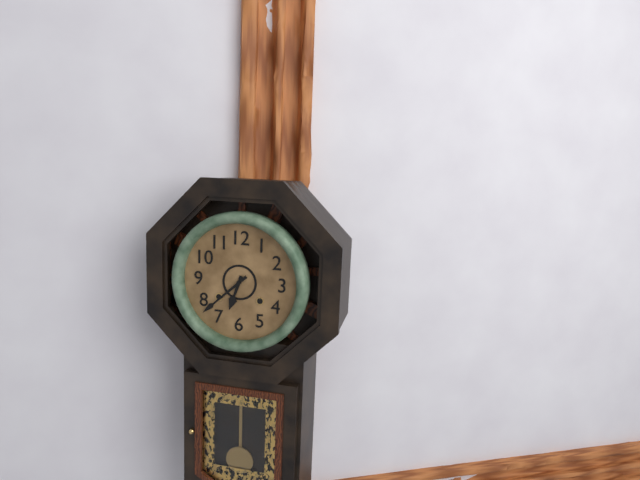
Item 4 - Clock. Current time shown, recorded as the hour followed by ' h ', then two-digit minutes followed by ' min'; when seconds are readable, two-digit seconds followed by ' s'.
6 h 38 min
